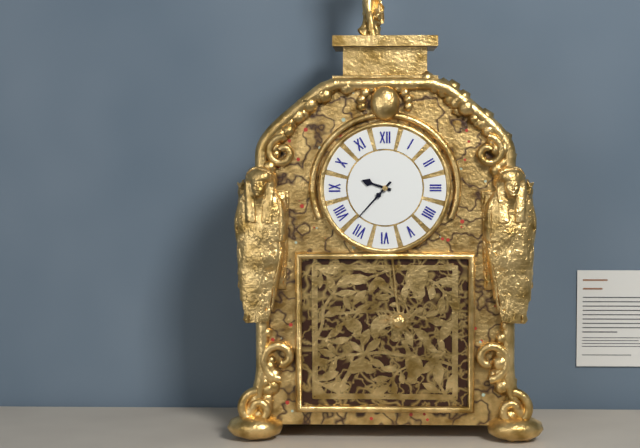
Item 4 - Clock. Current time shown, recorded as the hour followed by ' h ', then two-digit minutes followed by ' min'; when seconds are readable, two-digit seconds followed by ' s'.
9 h 37 min
